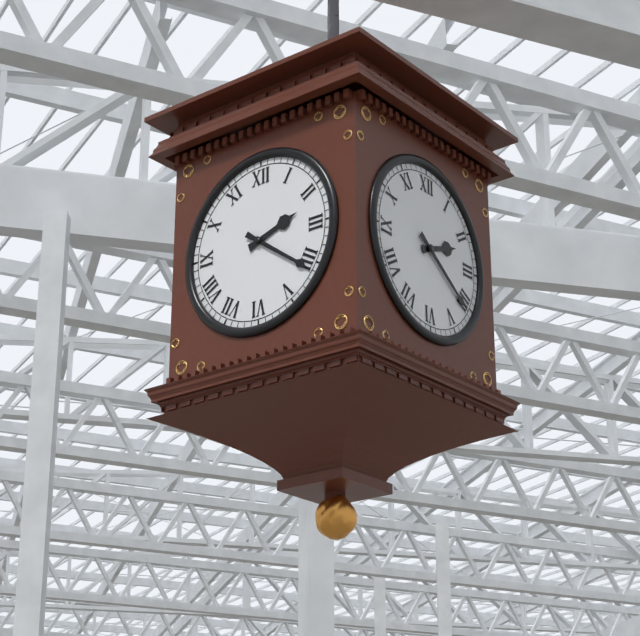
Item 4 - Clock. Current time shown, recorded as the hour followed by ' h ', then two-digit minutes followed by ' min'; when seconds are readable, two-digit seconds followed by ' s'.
2 h 21 min
